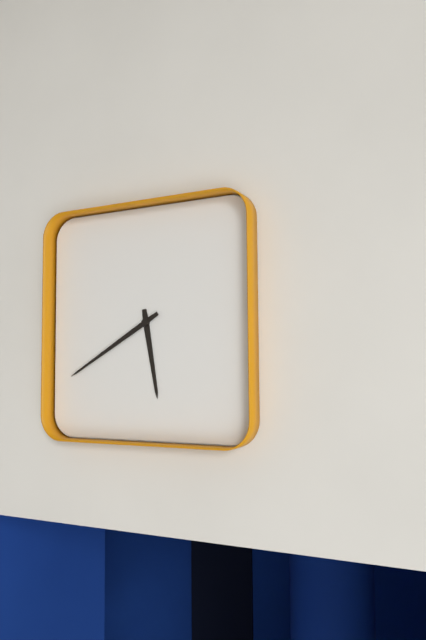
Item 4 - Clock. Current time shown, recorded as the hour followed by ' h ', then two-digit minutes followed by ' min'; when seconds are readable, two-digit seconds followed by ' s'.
5 h 40 min
